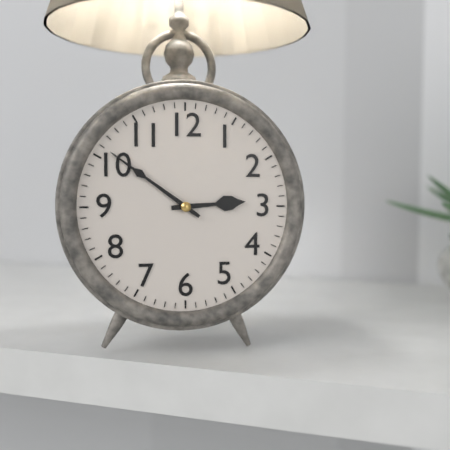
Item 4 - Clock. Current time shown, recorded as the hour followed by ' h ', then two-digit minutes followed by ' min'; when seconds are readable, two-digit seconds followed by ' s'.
2 h 51 min
